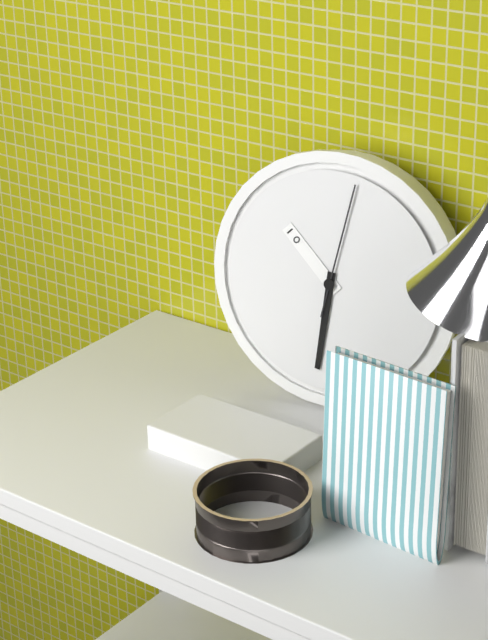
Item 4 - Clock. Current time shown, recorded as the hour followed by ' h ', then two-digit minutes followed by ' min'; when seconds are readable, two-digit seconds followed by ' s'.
10 h 31 min 02 s
